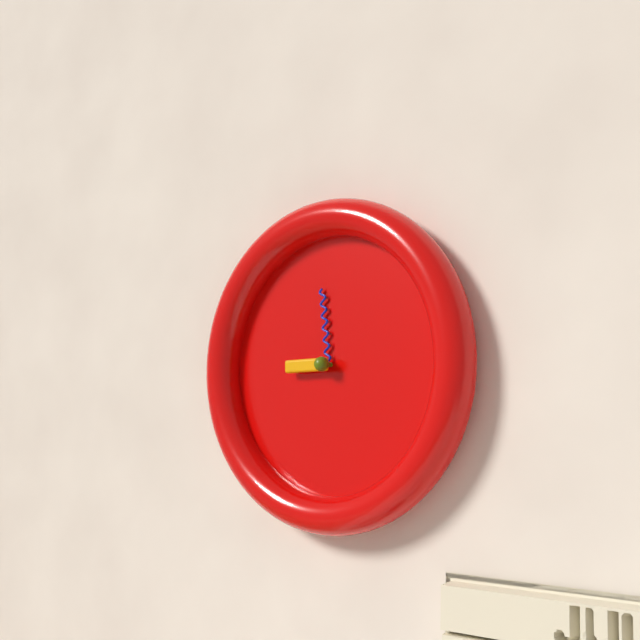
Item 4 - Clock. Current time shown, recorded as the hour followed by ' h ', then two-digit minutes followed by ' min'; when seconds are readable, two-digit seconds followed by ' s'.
8 h 59 min
